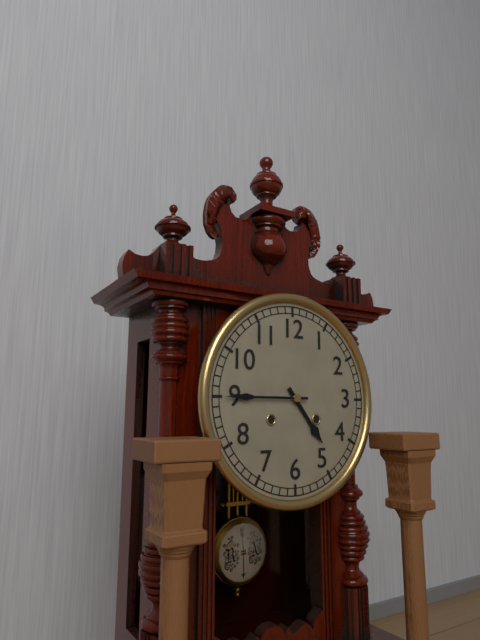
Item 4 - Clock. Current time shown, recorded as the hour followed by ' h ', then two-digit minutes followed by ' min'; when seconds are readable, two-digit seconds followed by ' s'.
4 h 45 min
